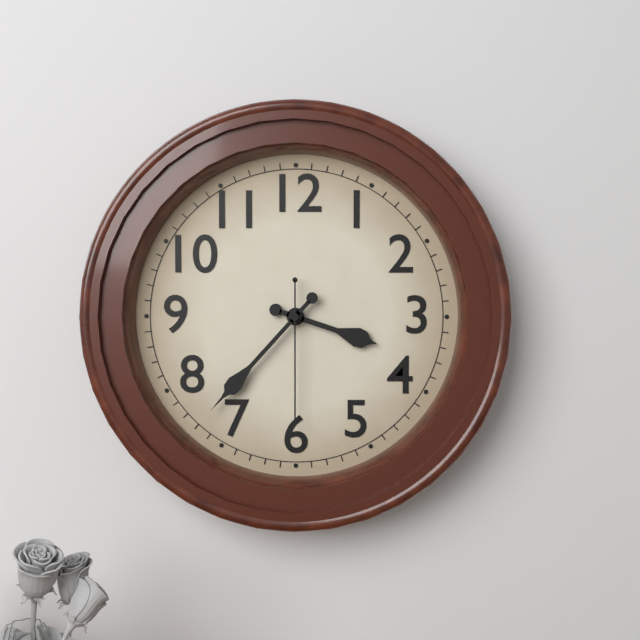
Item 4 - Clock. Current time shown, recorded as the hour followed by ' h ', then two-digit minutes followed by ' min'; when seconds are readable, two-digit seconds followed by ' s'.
3 h 37 min 30 s
